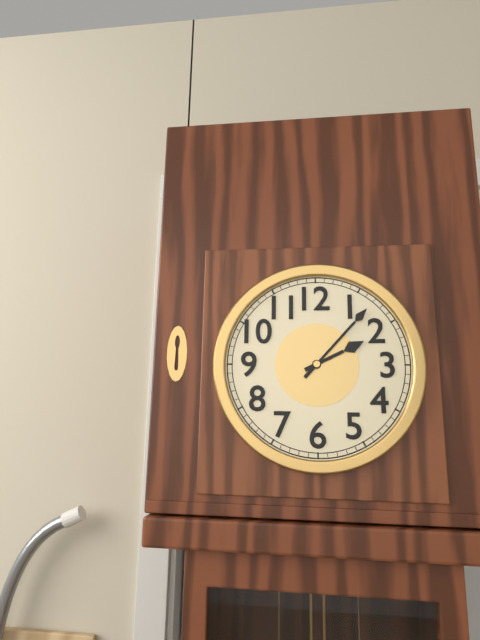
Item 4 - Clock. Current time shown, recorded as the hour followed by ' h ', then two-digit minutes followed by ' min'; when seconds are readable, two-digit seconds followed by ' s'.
2 h 07 min
